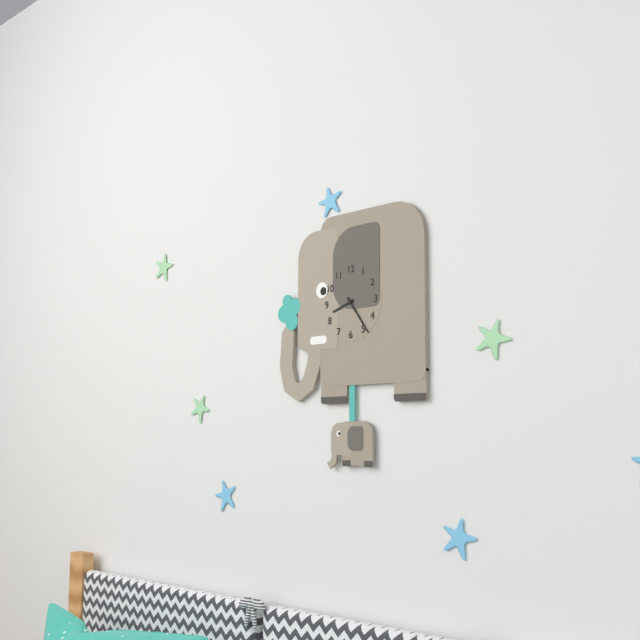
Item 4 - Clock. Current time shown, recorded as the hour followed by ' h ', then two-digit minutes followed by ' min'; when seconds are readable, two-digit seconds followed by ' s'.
8 h 24 min
